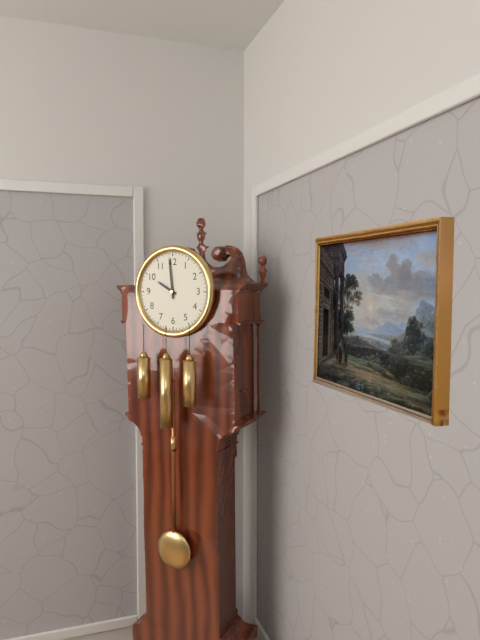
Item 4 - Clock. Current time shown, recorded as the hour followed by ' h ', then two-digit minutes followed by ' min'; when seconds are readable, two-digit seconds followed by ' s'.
9 h 59 min
